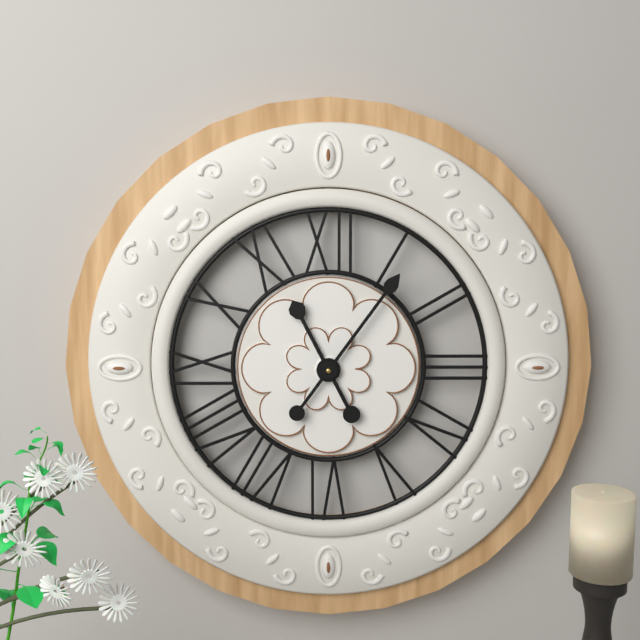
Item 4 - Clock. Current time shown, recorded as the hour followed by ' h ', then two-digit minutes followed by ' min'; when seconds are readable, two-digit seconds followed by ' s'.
11 h 06 min
